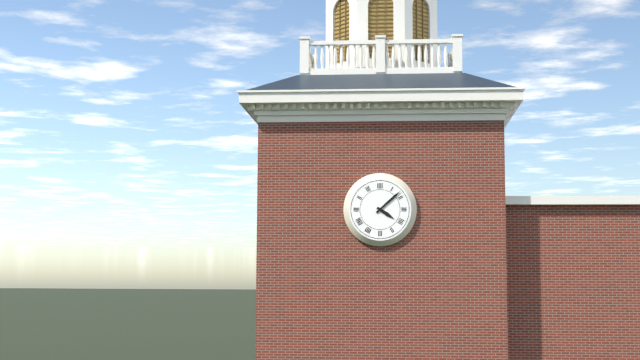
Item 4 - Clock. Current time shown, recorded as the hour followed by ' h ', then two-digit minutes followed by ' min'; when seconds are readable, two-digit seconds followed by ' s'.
4 h 08 min
